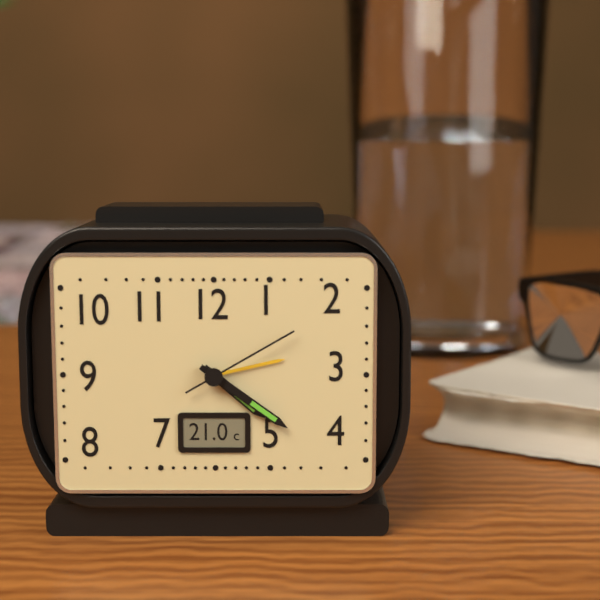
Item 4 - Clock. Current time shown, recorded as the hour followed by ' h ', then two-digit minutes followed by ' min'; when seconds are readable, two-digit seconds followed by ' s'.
4 h 21 min 10 s
